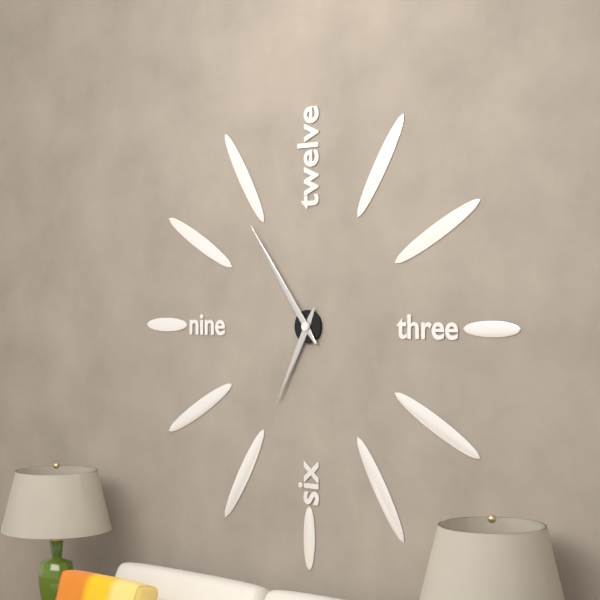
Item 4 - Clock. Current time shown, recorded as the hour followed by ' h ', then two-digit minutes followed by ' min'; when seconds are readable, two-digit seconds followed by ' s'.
6 h 54 min
